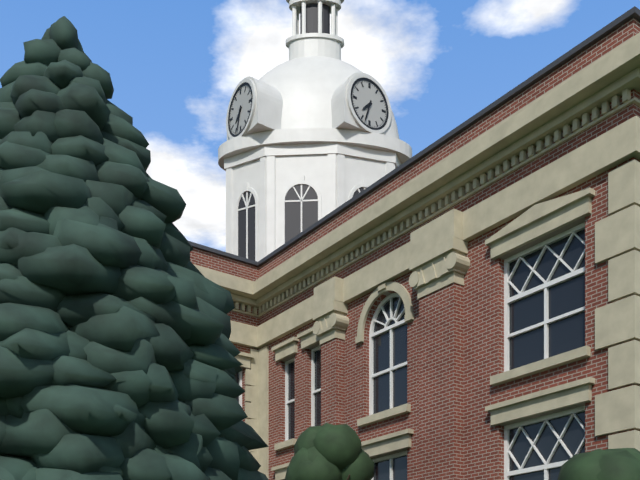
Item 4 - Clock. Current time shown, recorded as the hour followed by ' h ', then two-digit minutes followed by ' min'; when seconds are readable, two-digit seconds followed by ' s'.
7 h 33 min
